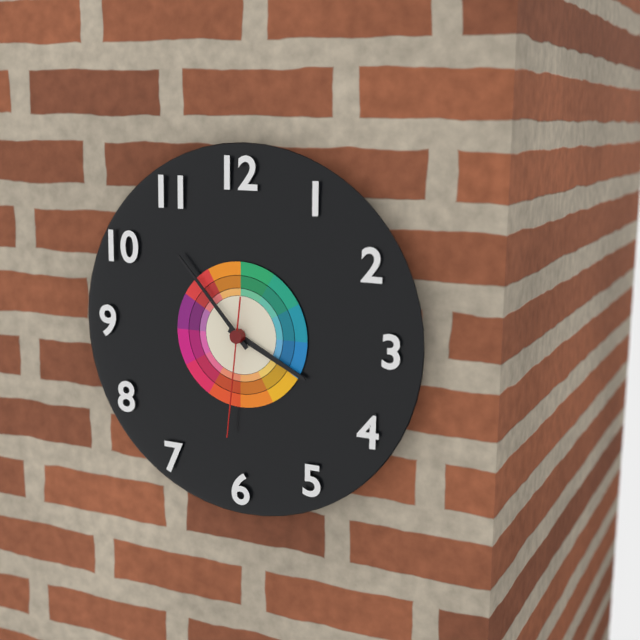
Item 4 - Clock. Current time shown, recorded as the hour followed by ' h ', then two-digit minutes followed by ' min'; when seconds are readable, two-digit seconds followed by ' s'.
3 h 53 min 31 s
